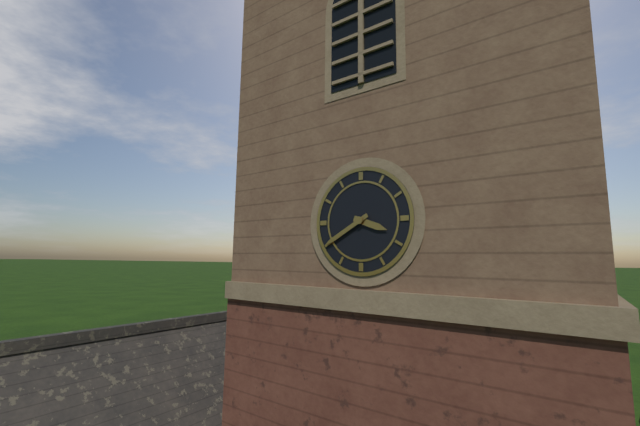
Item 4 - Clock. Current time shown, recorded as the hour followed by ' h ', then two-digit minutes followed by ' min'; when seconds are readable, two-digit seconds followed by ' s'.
3 h 40 min
